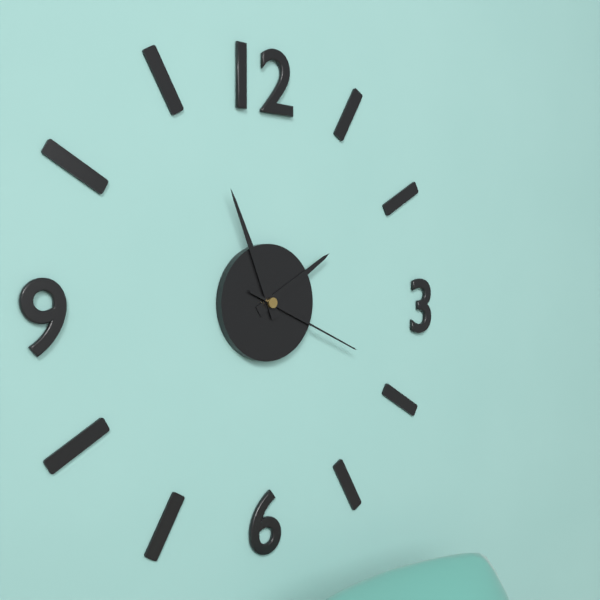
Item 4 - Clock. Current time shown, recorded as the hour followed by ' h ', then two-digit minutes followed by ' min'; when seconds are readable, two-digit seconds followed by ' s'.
1 h 56 min 19 s
